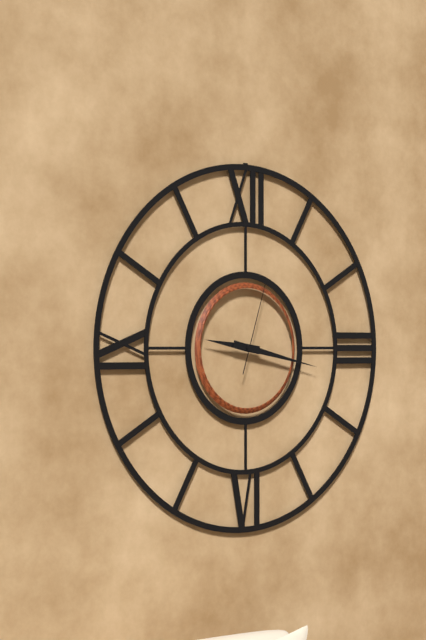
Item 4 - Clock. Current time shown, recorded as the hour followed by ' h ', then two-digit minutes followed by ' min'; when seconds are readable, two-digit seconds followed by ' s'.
9 h 17 min 03 s
